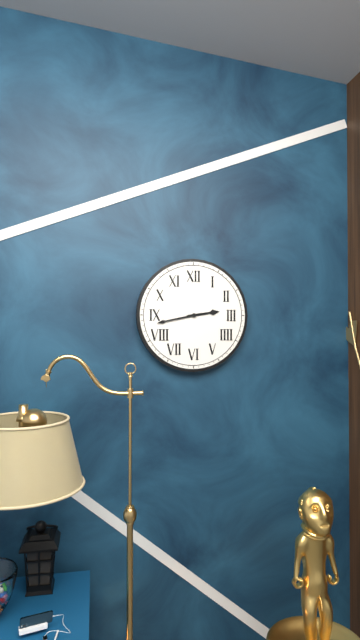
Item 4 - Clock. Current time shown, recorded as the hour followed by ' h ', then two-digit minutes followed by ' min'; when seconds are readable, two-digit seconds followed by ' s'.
2 h 43 min
